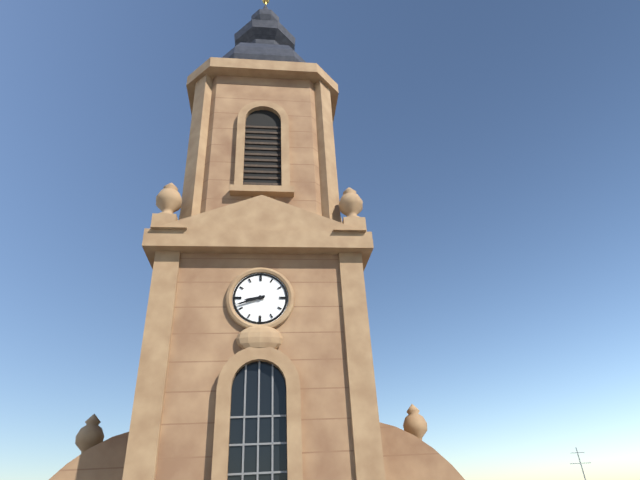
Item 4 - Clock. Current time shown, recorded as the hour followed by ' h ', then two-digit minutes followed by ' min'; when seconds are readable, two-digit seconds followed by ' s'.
8 h 42 min
